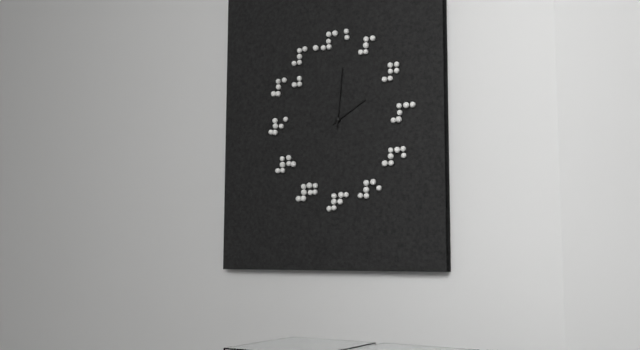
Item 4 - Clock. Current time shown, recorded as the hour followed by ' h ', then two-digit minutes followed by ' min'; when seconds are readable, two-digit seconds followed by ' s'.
2 h 01 min
